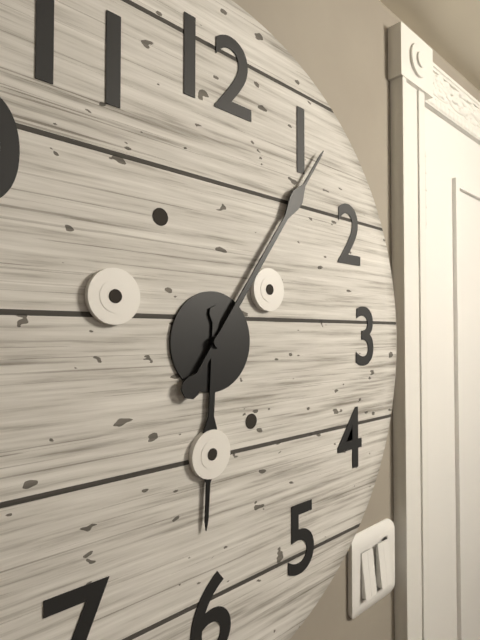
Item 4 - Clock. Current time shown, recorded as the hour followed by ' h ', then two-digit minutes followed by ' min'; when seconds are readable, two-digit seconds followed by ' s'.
6 h 06 min
